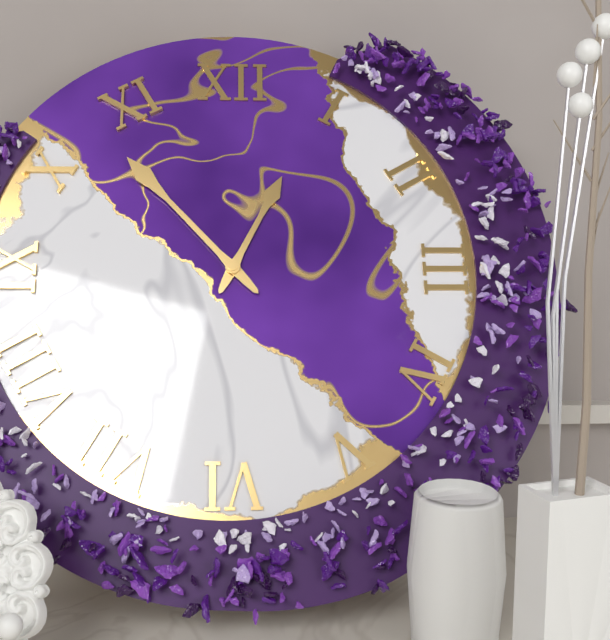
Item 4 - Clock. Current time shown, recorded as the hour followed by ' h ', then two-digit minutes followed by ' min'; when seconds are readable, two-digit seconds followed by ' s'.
12 h 53 min
